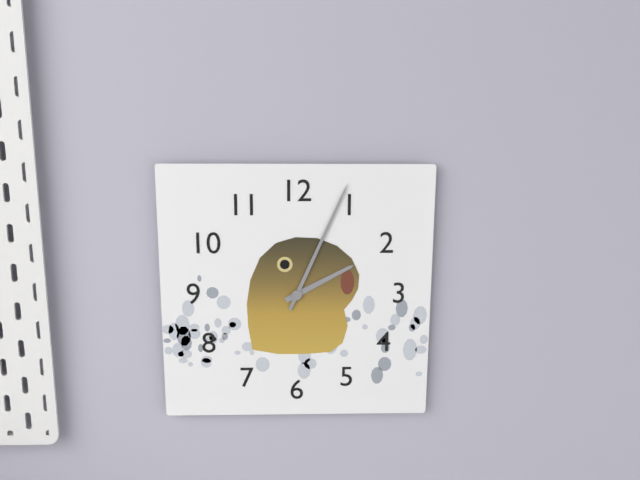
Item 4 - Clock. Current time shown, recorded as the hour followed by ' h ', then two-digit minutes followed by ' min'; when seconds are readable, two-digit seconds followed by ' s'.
2 h 04 min
